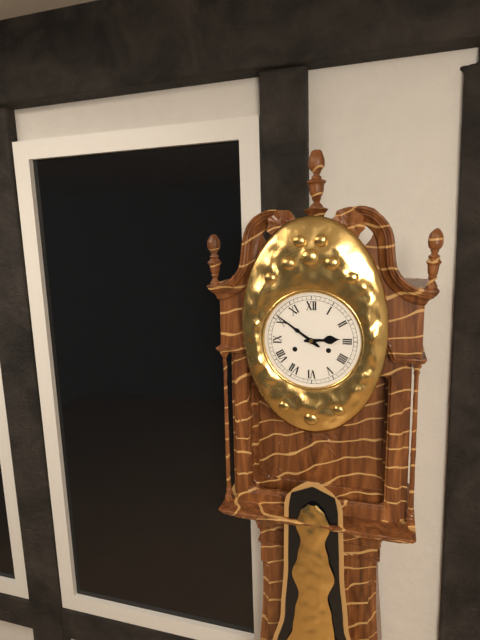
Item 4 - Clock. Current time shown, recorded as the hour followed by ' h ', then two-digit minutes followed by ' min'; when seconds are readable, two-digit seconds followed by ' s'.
2 h 51 min
